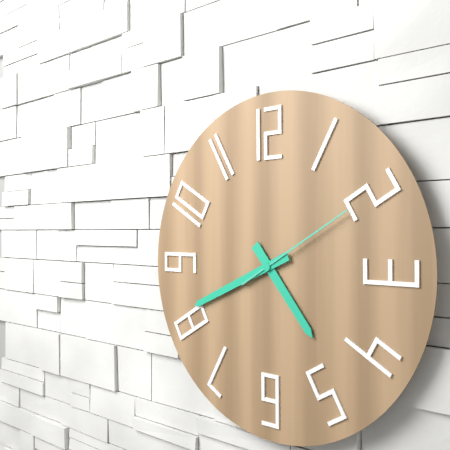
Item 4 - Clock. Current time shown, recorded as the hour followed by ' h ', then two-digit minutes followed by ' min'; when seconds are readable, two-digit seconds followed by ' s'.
4 h 41 min 10 s
